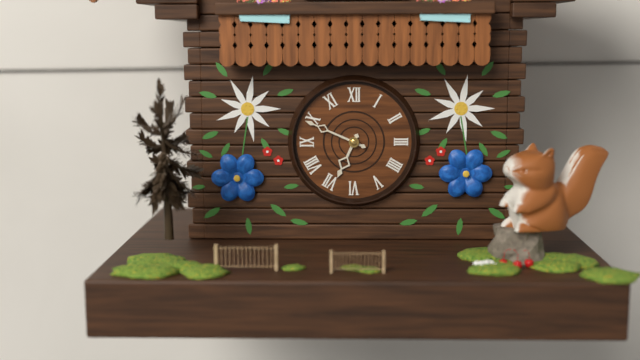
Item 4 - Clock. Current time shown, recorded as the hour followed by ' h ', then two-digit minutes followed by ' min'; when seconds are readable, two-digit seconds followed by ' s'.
6 h 49 min
